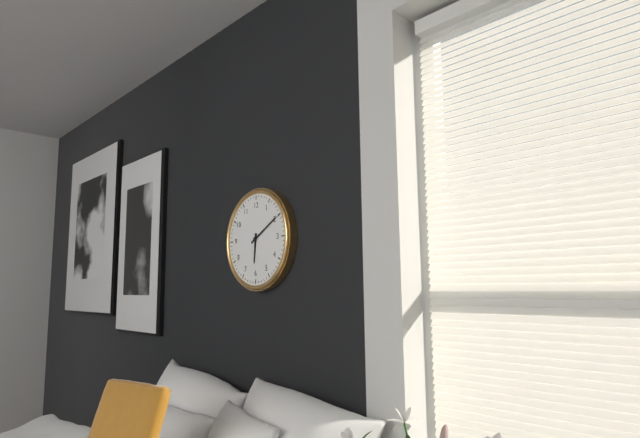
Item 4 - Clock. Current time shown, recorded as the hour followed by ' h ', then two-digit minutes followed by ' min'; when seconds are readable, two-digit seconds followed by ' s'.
6 h 10 min
